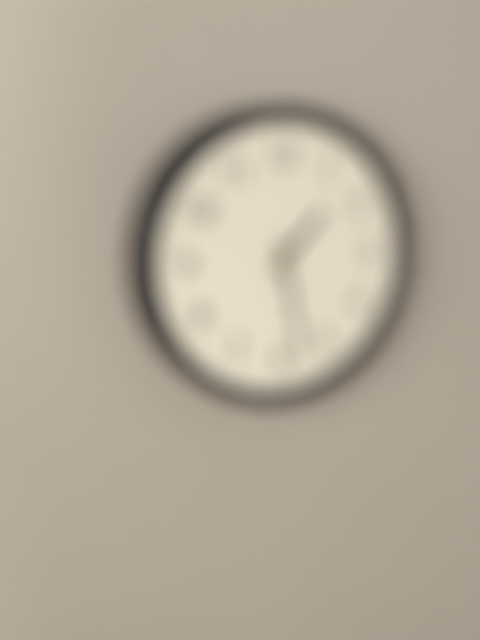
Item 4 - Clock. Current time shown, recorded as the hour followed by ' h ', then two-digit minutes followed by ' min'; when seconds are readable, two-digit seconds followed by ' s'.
1 h 28 min
